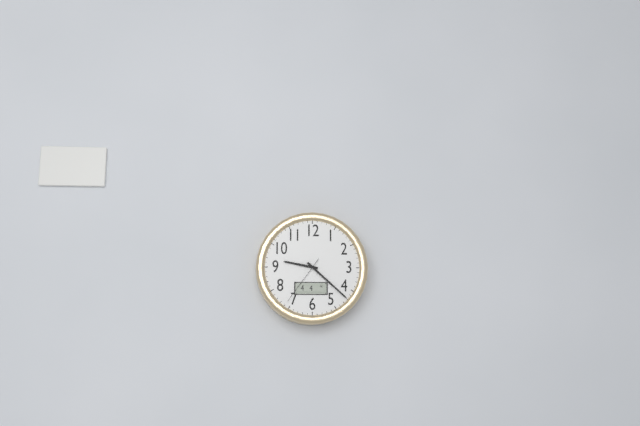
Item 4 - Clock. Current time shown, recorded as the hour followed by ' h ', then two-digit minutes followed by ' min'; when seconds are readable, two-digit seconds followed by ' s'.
9 h 22 min 36 s
